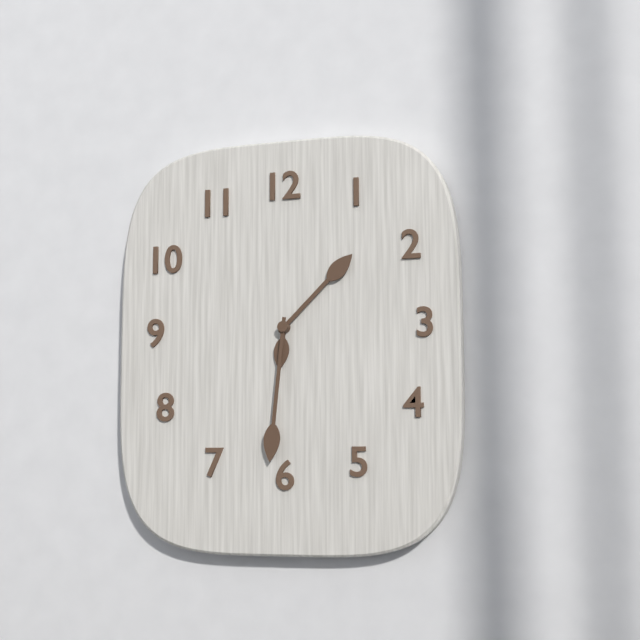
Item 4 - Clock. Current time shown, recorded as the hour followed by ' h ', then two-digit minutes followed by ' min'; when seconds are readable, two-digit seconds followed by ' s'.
1 h 31 min
